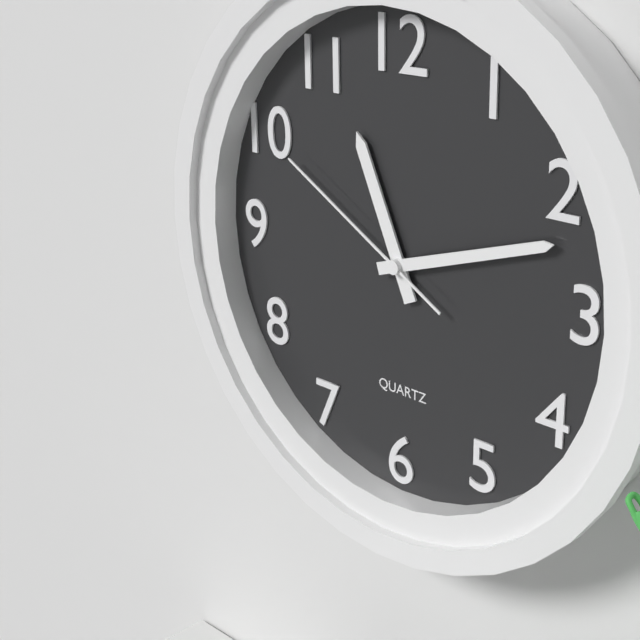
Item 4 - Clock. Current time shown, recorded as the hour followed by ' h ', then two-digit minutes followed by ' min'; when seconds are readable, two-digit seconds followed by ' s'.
11 h 12 min 50 s
